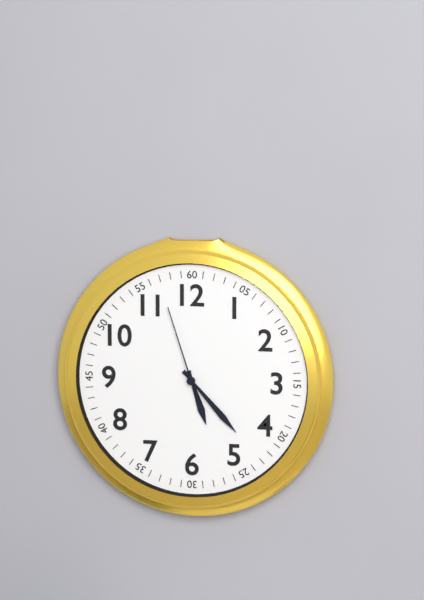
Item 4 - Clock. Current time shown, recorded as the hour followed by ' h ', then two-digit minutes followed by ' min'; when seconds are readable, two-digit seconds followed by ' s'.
5 h 23 min 57 s
